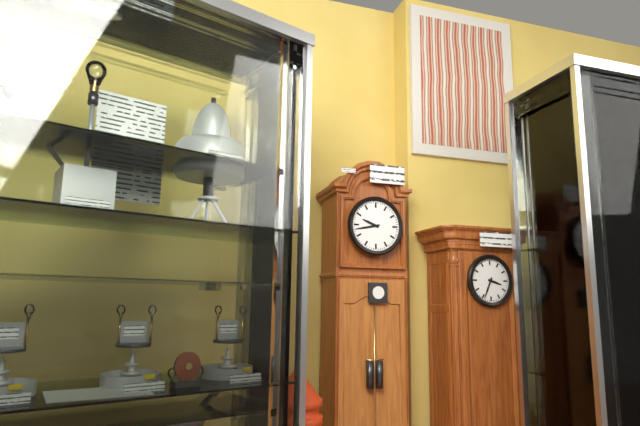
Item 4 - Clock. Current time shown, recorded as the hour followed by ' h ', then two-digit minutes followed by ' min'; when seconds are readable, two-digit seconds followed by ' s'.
9 h 43 min
